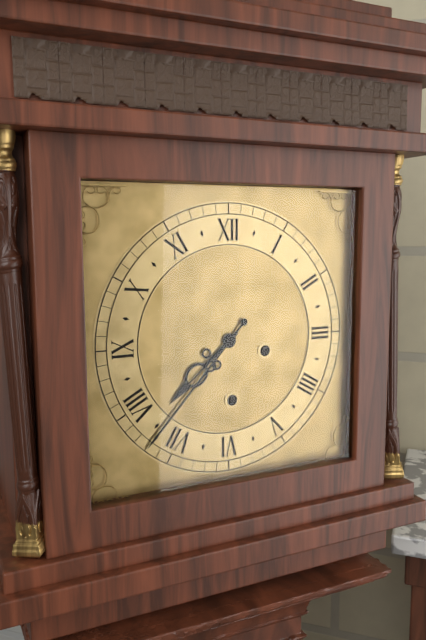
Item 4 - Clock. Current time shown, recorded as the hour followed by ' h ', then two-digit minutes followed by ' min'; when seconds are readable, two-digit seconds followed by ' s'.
7 h 37 min
